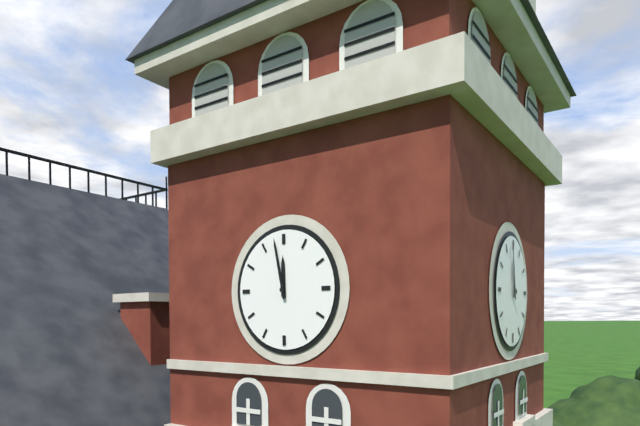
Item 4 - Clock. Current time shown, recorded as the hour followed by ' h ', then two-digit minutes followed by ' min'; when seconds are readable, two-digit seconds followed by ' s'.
11 h 58 min
